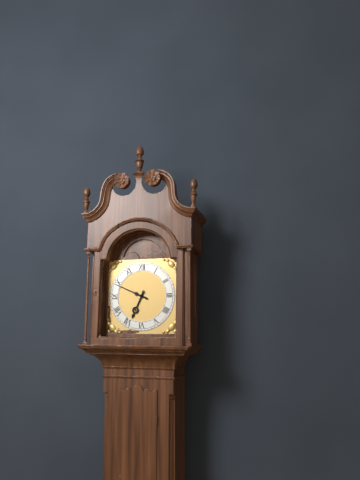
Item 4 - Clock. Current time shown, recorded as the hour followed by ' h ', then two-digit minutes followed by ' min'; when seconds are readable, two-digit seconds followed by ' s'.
6 h 49 min
